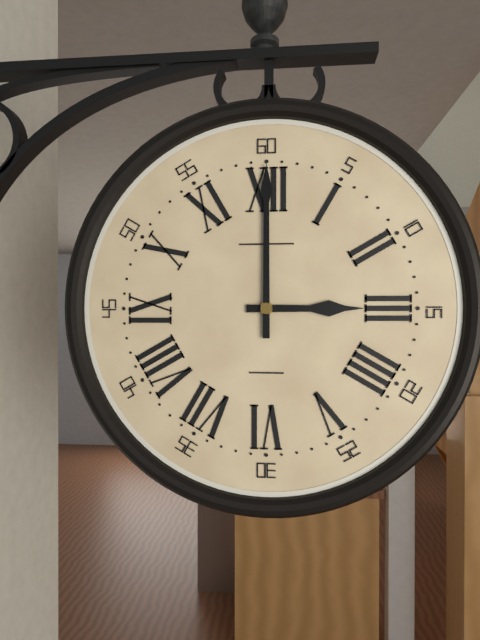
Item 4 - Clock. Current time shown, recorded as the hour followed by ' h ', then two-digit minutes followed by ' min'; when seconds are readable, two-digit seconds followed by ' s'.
3 h 00 min
